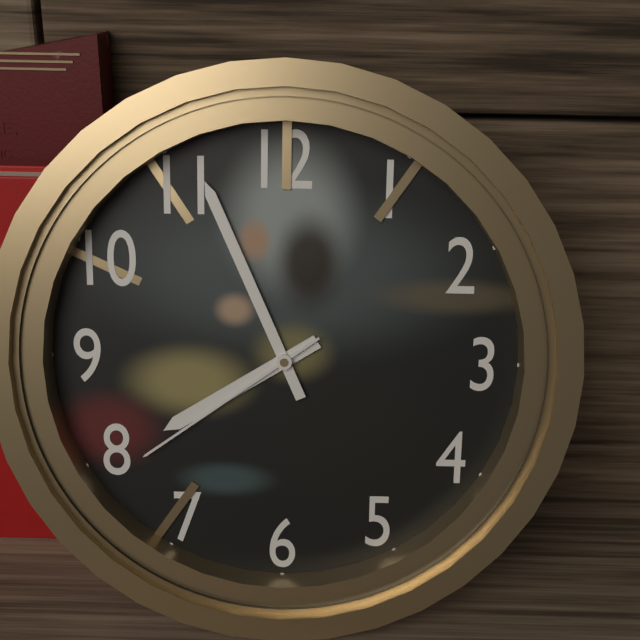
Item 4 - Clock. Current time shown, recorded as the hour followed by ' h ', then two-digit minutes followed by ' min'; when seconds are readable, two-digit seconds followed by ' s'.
7 h 56 min 39 s
